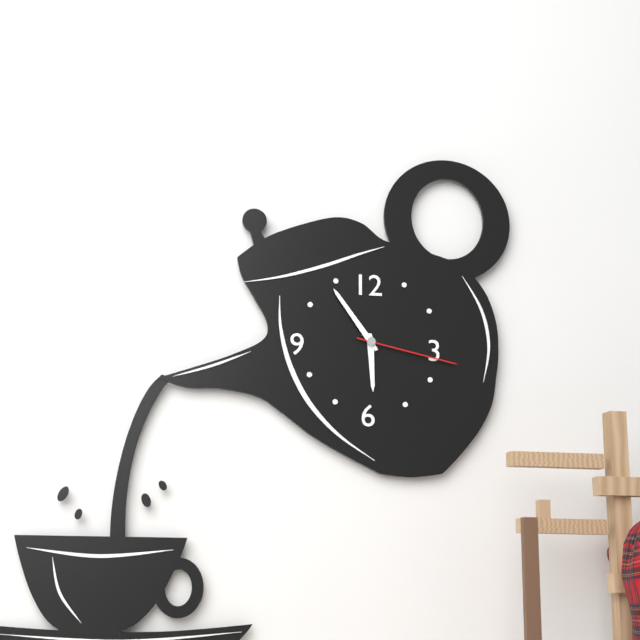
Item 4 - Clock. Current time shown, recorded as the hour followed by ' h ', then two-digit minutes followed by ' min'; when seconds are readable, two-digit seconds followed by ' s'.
5 h 54 min 17 s
